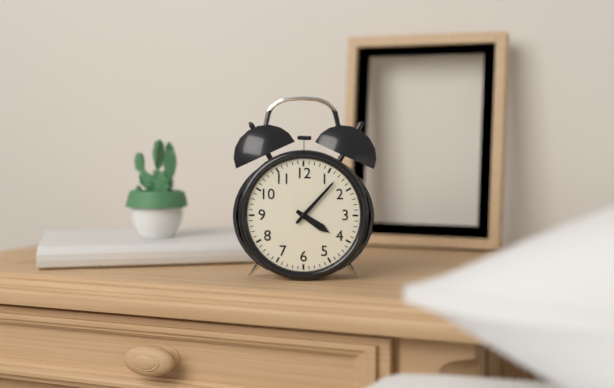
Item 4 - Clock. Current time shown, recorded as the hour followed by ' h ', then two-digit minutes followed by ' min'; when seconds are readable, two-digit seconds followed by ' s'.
4 h 07 min
